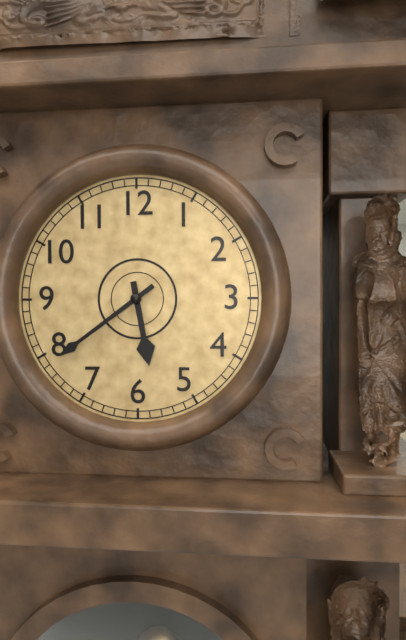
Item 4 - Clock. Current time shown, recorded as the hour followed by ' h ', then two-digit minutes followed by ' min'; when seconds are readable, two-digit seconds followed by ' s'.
5 h 39 min
